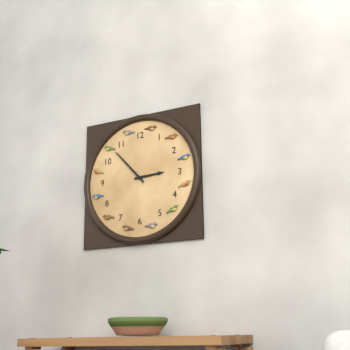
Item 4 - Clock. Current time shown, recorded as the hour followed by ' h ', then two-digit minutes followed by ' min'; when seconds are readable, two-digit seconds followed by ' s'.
2 h 53 min
